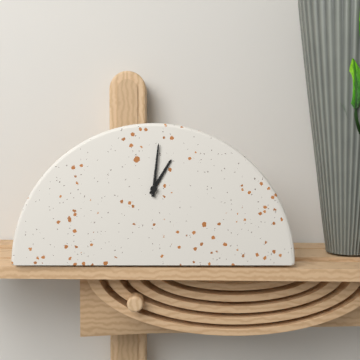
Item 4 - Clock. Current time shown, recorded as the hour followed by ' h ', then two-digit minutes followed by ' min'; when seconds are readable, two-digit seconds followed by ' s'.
1 h 01 min
